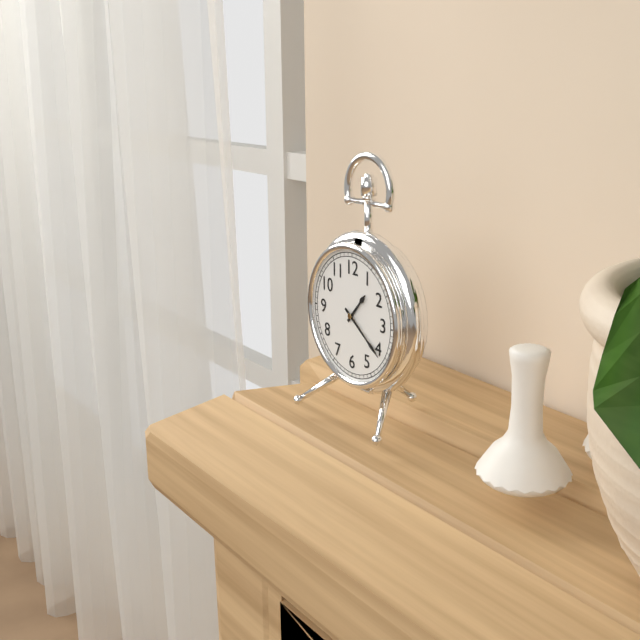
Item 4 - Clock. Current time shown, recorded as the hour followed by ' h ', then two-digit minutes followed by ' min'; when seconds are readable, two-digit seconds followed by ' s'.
1 h 21 min
